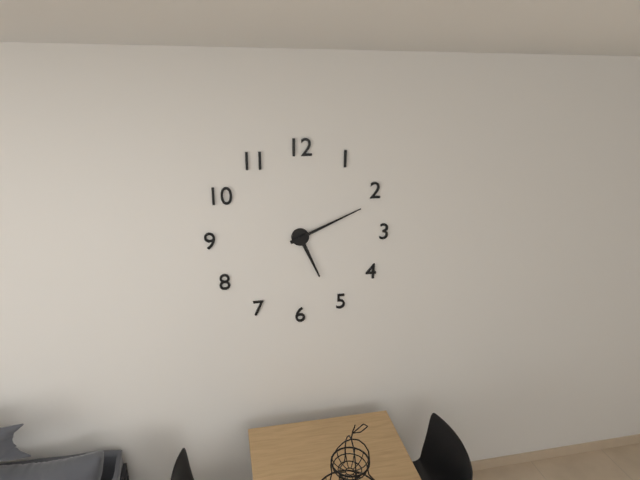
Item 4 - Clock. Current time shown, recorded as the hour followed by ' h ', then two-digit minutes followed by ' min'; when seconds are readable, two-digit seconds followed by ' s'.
5 h 11 min
